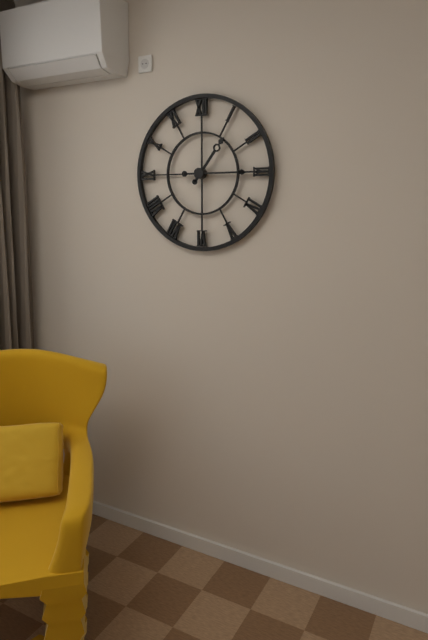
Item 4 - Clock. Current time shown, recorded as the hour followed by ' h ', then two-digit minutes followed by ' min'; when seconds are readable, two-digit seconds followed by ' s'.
1 h 15 min
